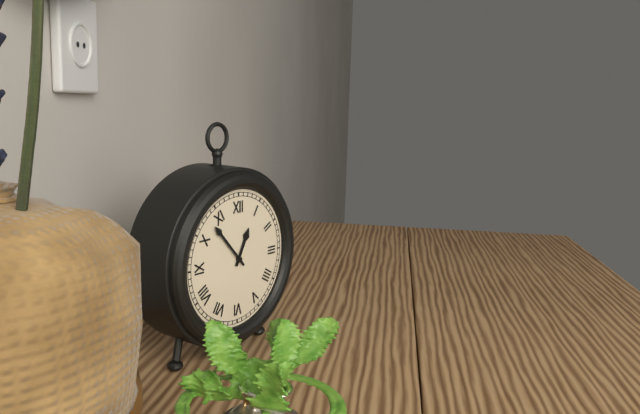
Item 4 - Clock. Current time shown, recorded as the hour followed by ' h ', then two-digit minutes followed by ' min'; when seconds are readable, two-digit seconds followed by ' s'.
12 h 53 min
